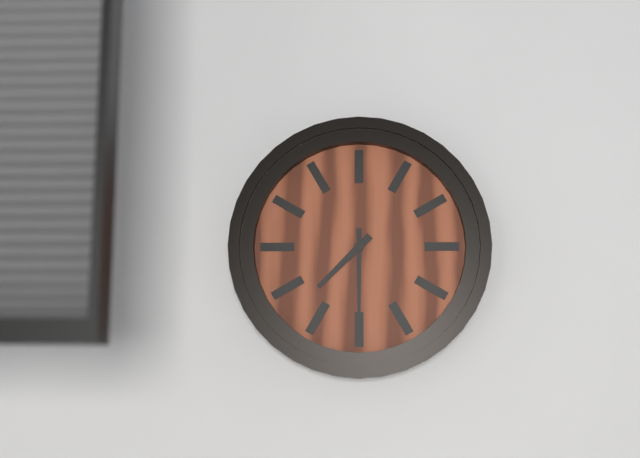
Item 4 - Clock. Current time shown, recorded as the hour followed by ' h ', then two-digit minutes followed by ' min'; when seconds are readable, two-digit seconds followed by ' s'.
7 h 30 min
